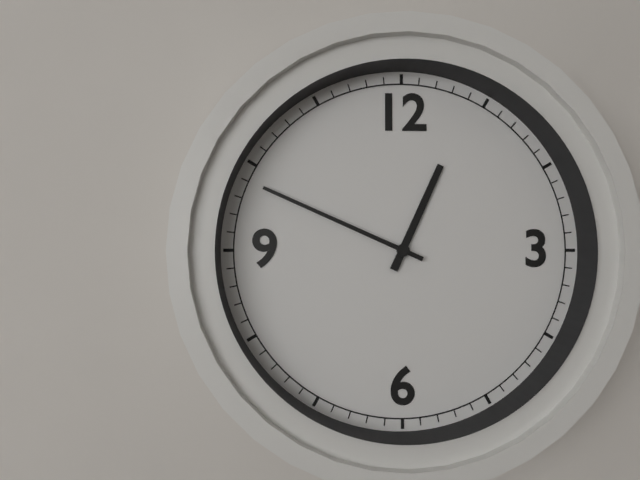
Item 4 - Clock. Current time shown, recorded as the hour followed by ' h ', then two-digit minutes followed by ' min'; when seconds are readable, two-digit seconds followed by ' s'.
12 h 49 min
